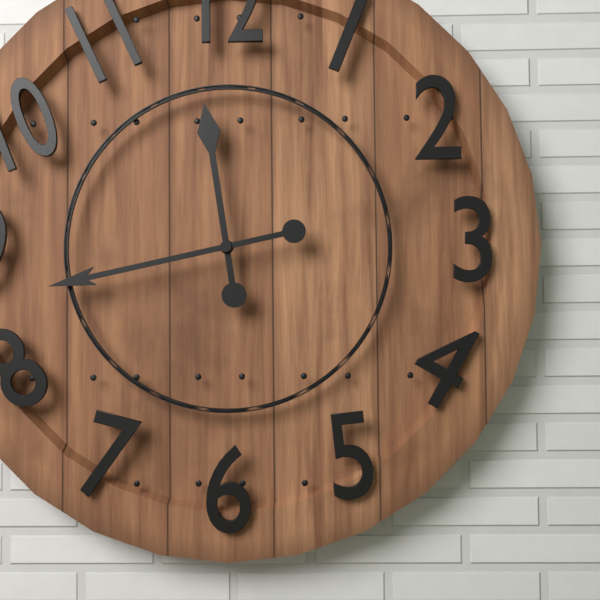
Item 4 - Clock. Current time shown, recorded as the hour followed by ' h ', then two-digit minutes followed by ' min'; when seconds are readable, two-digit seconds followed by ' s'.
11 h 43 min
